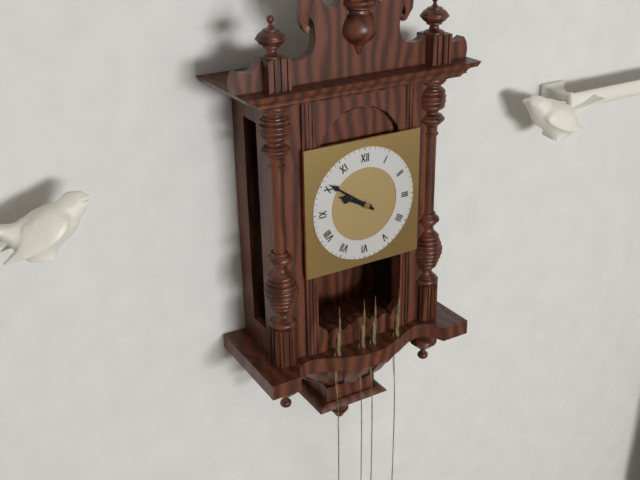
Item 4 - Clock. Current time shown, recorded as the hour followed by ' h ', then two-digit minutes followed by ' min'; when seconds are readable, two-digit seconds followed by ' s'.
9 h 51 min
